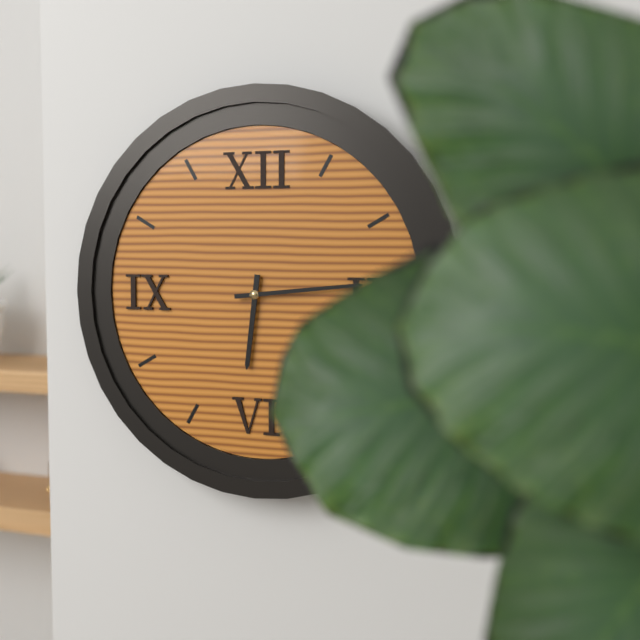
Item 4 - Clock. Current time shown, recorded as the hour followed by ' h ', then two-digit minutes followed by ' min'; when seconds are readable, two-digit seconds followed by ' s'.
6 h 14 min
